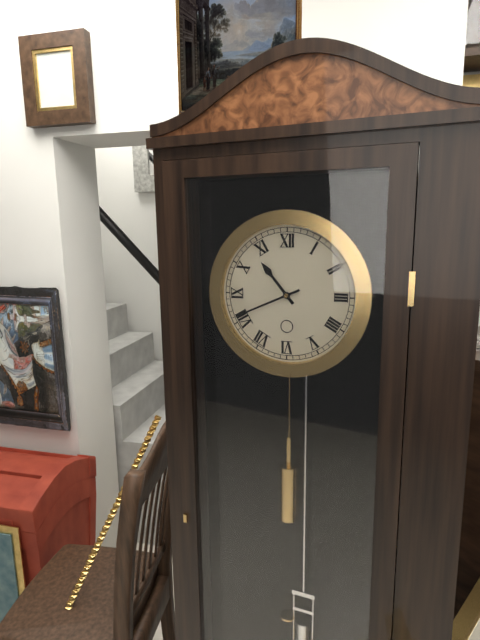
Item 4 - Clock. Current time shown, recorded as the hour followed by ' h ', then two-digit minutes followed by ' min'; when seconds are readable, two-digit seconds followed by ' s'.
10 h 41 min
